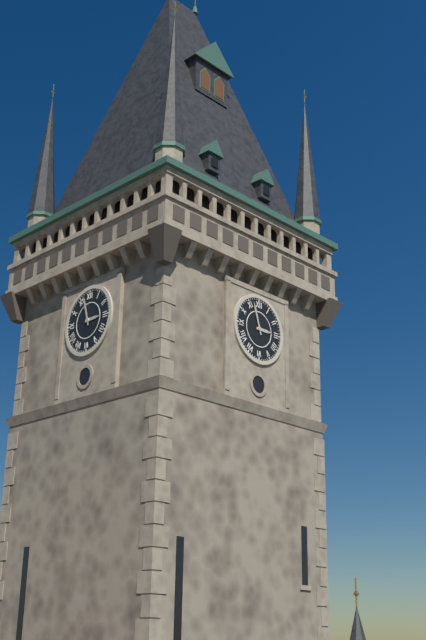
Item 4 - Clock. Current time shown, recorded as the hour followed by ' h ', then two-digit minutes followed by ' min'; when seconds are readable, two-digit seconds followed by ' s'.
2 h 57 min
